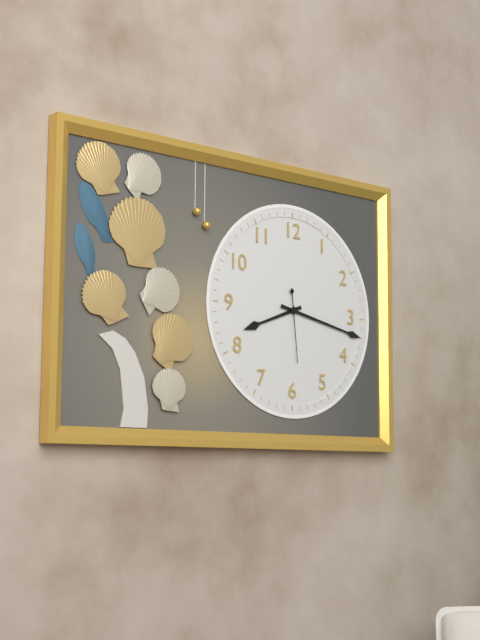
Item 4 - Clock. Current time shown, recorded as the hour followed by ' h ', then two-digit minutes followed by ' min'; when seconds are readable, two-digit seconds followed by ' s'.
8 h 17 min 29 s
